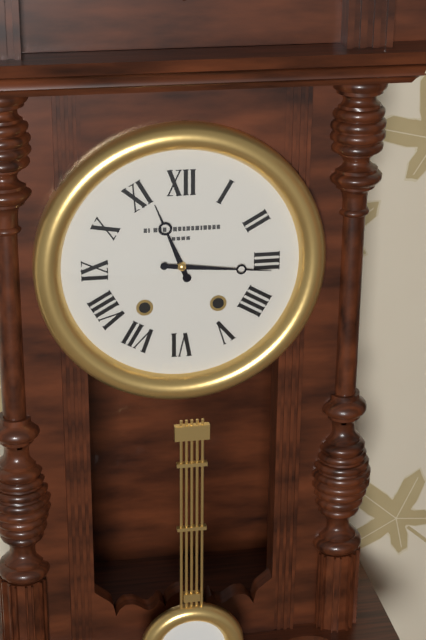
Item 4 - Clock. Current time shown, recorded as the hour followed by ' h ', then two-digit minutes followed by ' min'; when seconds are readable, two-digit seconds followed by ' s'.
11 h 16 min
